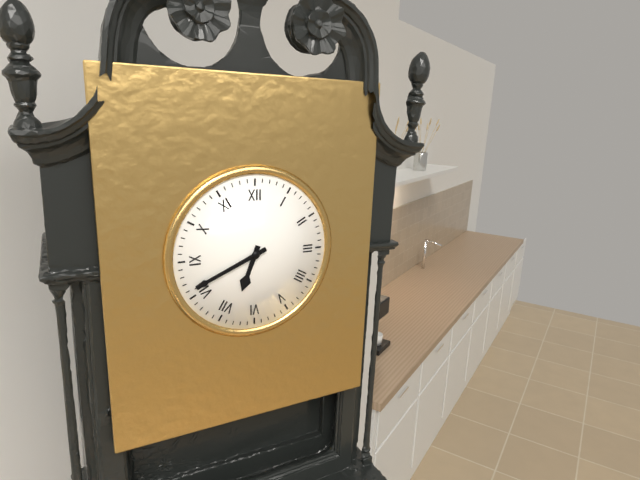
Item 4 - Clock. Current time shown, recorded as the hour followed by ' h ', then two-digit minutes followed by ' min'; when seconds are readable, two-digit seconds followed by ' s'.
6 h 41 min
